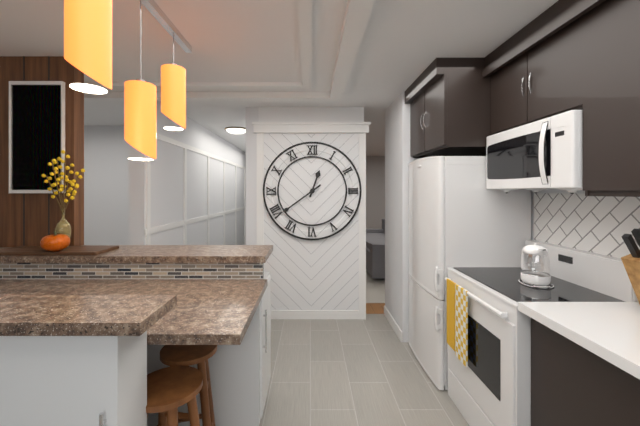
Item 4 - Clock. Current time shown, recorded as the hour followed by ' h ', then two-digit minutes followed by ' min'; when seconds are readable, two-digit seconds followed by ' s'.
12 h 39 min
